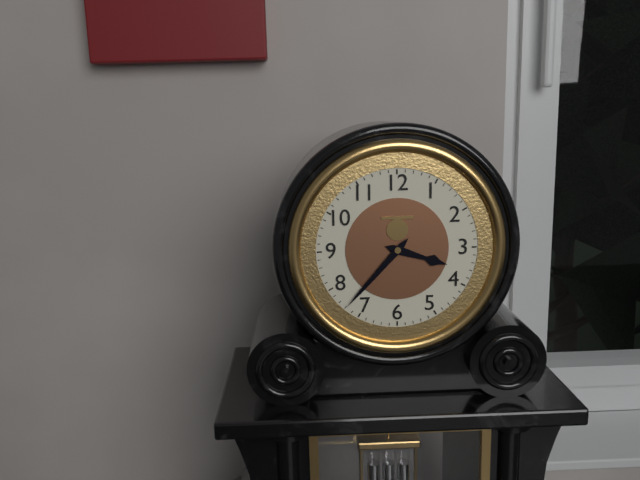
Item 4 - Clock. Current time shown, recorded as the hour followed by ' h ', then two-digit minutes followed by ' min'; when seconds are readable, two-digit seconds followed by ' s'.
3 h 37 min
